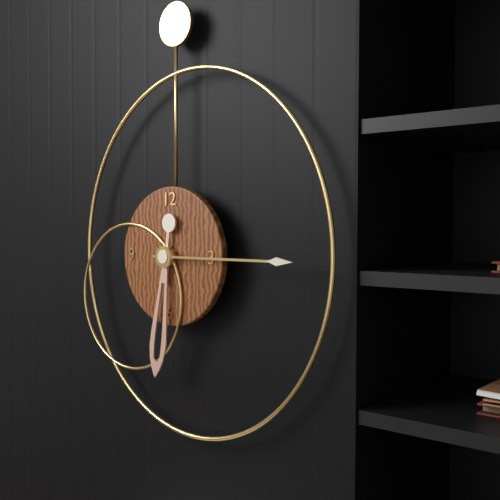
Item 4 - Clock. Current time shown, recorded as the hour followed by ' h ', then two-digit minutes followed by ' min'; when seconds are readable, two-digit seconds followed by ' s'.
6 h 15 min
